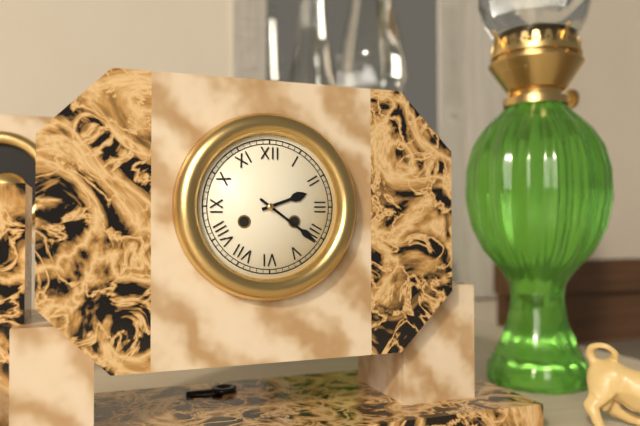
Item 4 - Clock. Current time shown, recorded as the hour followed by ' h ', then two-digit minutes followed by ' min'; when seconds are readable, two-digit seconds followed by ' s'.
2 h 21 min
